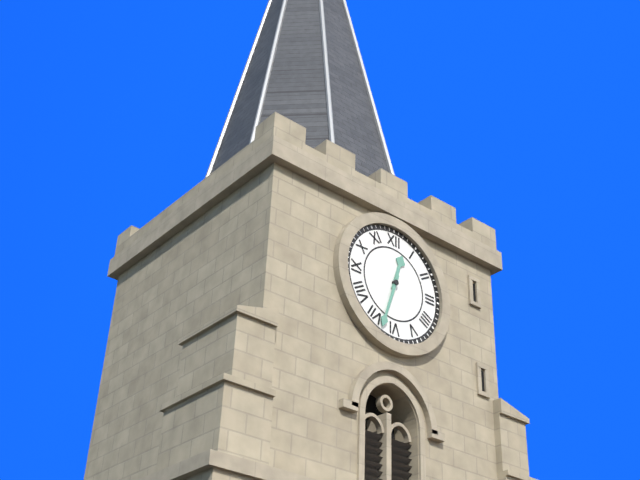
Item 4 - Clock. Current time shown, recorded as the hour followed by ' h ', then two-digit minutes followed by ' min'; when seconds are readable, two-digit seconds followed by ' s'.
12 h 33 min
